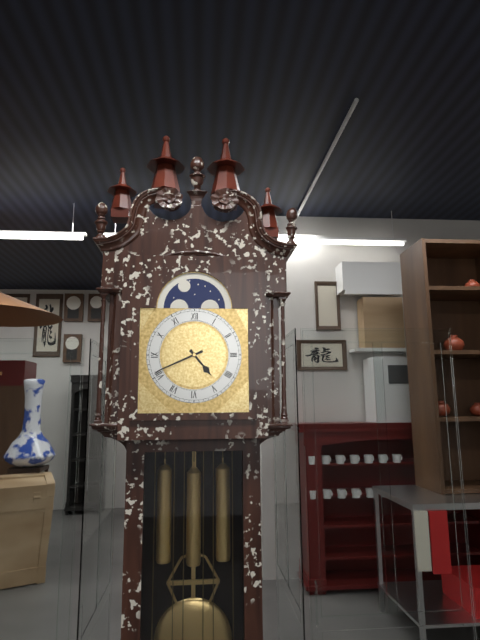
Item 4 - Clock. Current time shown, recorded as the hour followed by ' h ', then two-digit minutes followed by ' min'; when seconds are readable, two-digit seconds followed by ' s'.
4 h 41 min
